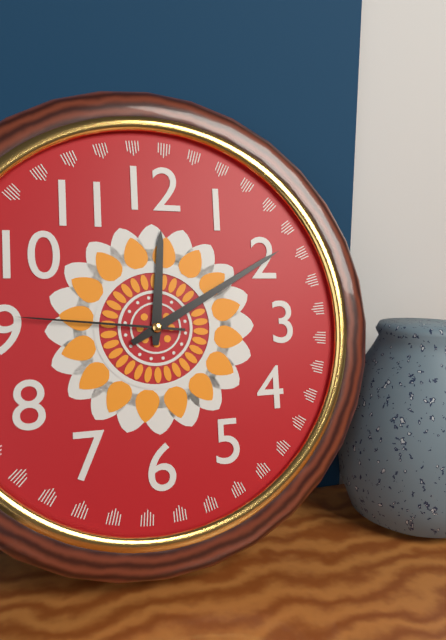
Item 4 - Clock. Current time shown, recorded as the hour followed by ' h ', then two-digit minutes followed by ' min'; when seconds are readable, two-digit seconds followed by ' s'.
12 h 10 min 46 s
